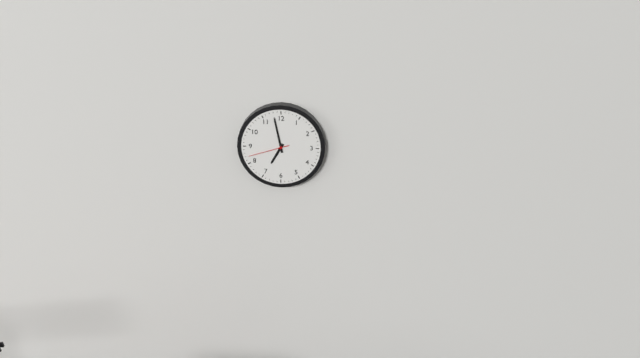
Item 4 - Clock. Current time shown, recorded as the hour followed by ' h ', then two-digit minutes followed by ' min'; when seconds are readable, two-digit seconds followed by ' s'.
6 h 58 min
